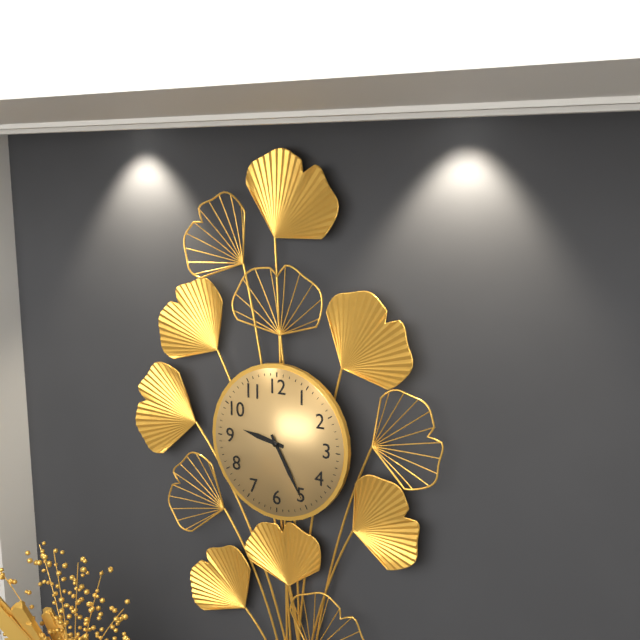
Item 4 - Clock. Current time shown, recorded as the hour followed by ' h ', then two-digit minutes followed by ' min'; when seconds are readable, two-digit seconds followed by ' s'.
9 h 25 min
